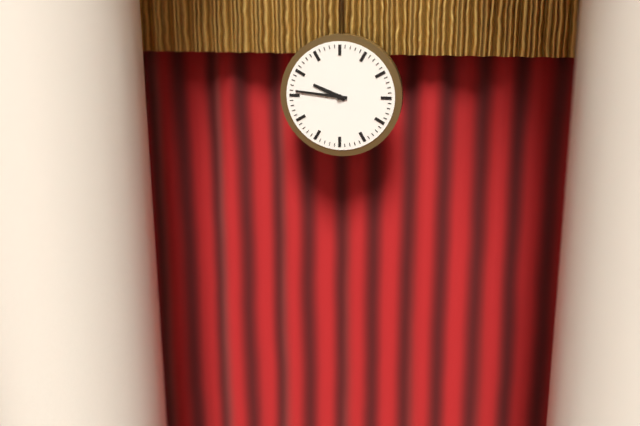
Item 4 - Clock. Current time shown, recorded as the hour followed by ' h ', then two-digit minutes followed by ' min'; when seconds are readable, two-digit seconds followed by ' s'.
9 h 46 min
